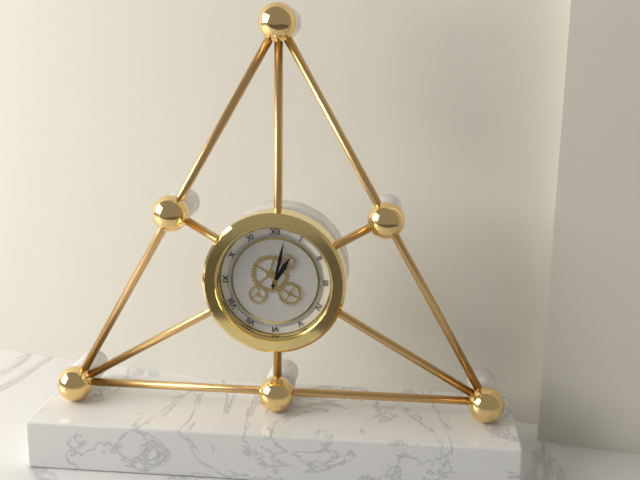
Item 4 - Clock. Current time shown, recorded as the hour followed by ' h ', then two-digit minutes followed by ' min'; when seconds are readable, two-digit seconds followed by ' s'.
1 h 02 min
